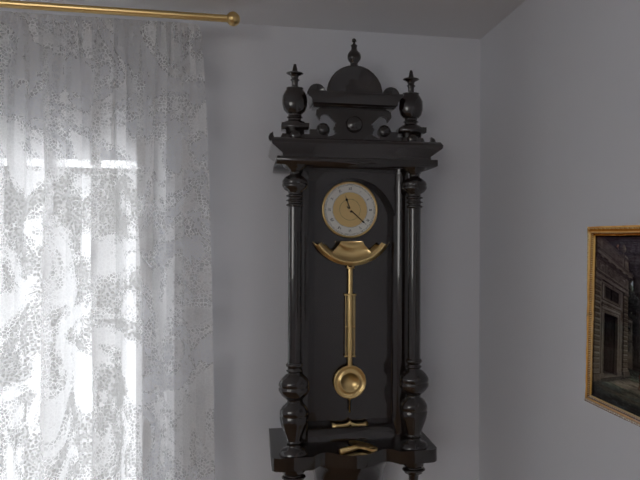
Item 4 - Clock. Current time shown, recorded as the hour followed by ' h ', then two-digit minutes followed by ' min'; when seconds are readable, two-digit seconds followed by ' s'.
11 h 22 min
